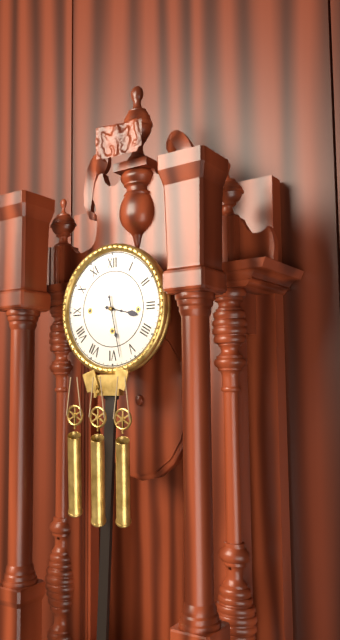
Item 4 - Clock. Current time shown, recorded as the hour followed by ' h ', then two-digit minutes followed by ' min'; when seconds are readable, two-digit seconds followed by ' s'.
3 h 28 min
